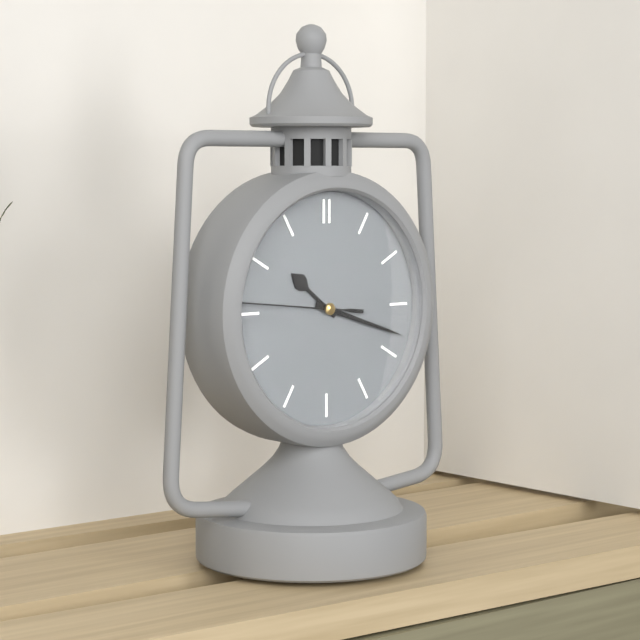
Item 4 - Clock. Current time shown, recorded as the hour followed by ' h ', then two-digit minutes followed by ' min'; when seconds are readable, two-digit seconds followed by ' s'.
10 h 18 min 46 s
